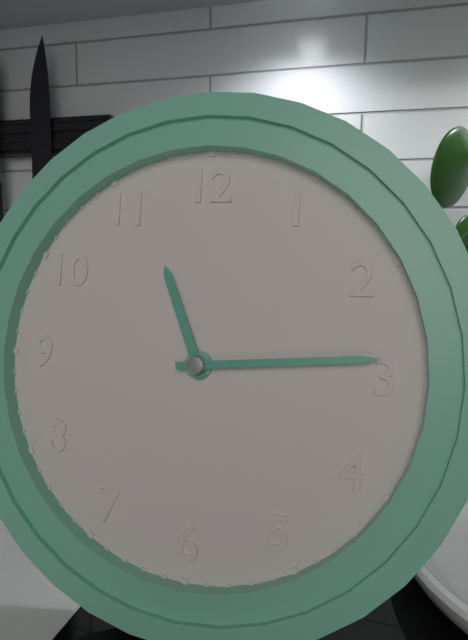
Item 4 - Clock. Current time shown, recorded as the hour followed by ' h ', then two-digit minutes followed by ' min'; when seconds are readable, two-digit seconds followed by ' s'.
11 h 14 min
